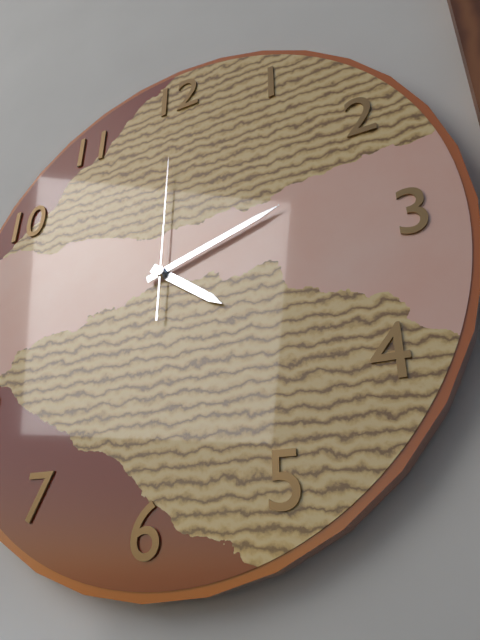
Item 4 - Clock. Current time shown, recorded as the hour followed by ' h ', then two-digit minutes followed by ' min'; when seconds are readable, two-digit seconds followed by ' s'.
4 h 12 min 00 s
